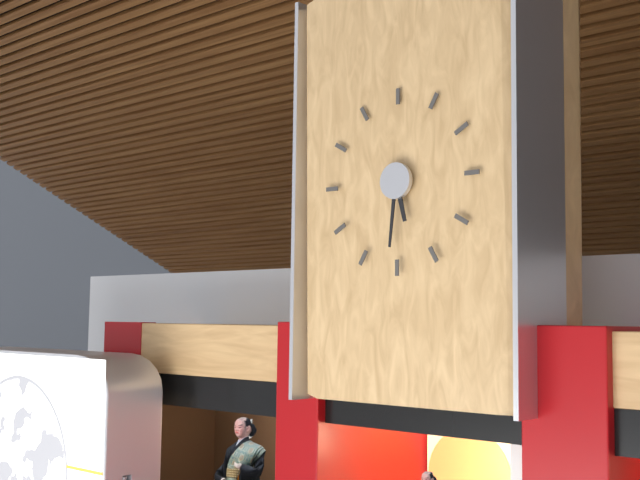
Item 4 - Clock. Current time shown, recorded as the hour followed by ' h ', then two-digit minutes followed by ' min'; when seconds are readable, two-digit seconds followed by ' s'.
5 h 31 min
